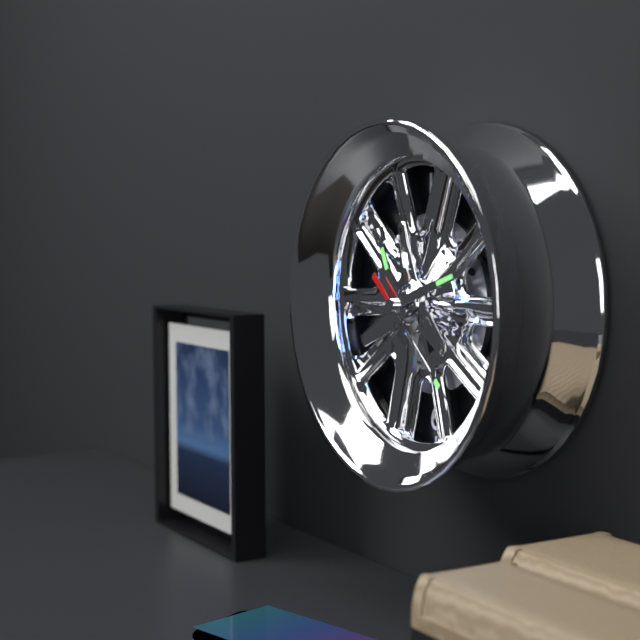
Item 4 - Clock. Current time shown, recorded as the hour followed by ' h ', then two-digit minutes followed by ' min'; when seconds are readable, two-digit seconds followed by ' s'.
11 h 12 min 22 s
